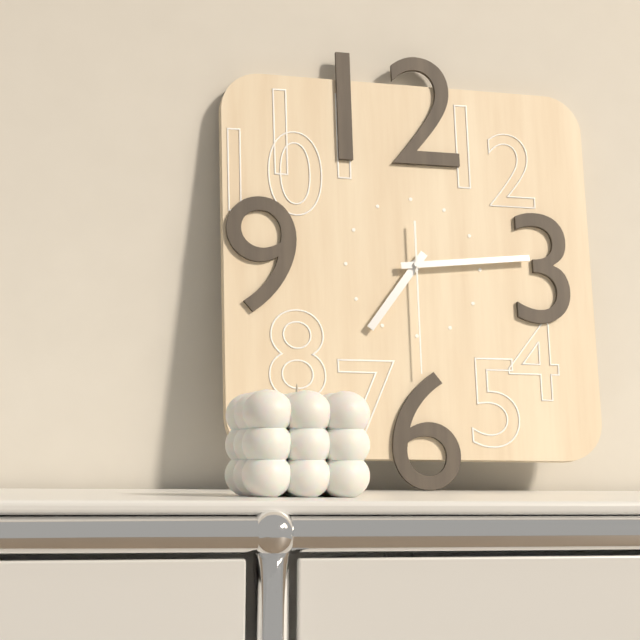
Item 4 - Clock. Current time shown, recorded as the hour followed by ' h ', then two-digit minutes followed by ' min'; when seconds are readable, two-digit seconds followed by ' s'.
7 h 14 min 30 s
